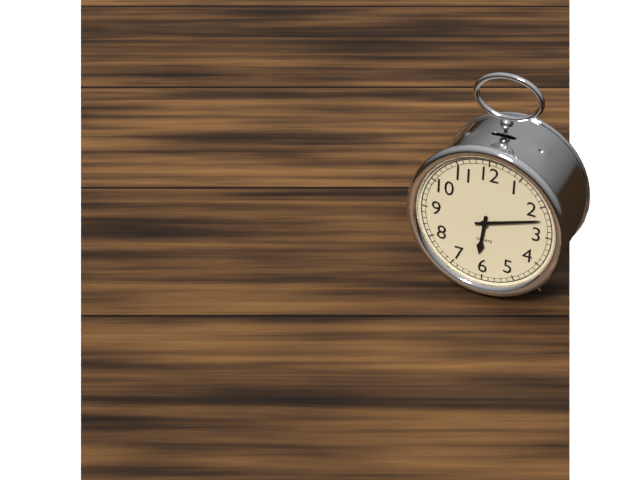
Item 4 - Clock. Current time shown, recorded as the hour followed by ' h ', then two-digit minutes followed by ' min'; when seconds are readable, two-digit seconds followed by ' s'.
6 h 12 min
